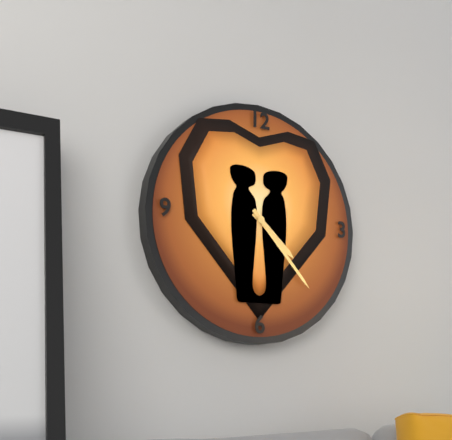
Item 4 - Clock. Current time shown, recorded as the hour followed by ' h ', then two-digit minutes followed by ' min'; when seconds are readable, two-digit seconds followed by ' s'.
4 h 23 min
